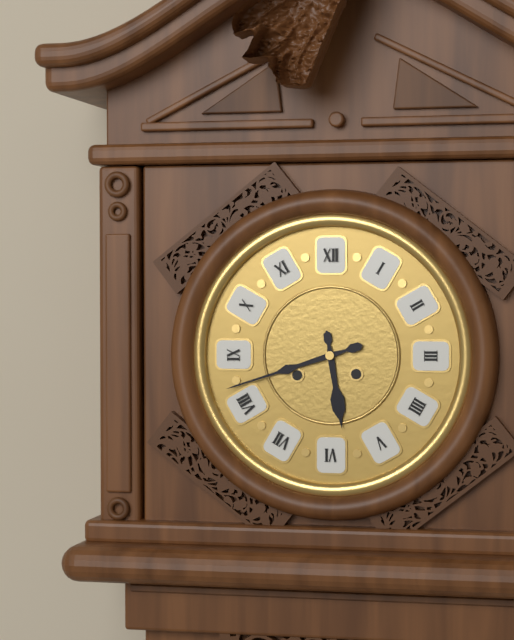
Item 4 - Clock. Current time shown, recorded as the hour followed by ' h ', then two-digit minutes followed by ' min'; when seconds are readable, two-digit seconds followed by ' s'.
5 h 42 min
